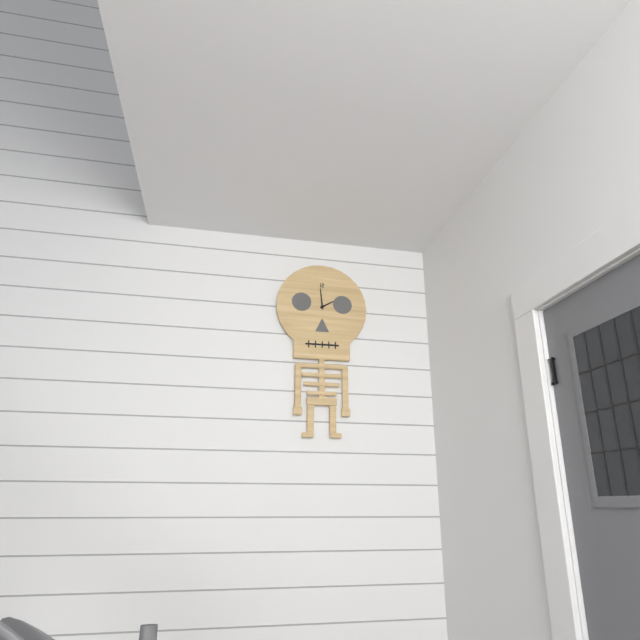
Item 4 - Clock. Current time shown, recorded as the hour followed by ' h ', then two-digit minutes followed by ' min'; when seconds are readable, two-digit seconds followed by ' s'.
1 h 59 min
